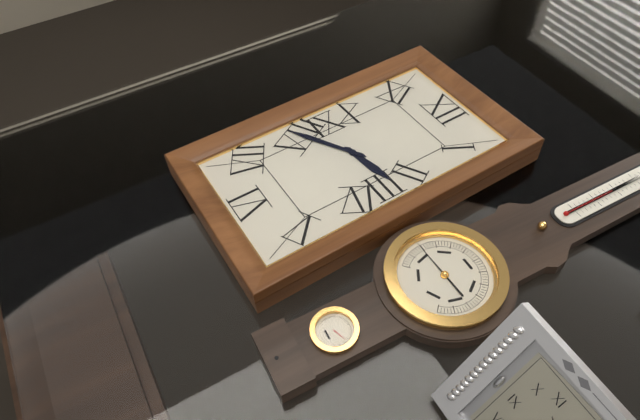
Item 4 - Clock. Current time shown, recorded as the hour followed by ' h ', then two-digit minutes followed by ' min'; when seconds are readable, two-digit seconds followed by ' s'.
2 h 40 min
